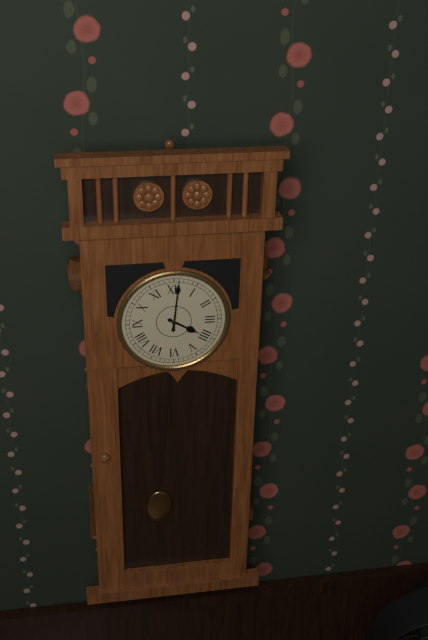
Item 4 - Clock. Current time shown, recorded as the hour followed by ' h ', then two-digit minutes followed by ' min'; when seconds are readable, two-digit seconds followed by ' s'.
4 h 01 min
